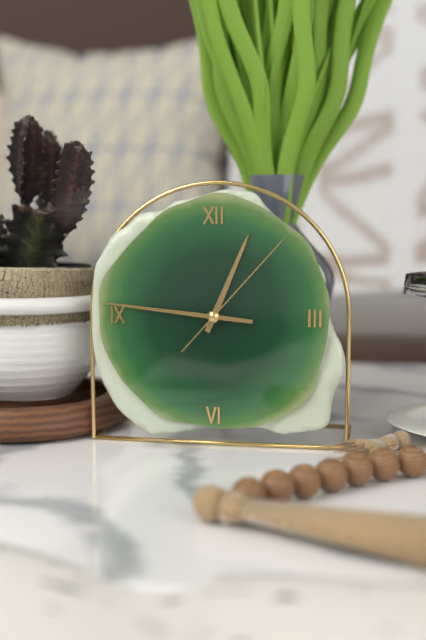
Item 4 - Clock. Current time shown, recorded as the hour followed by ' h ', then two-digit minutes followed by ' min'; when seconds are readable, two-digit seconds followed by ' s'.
12 h 46 min 07 s
